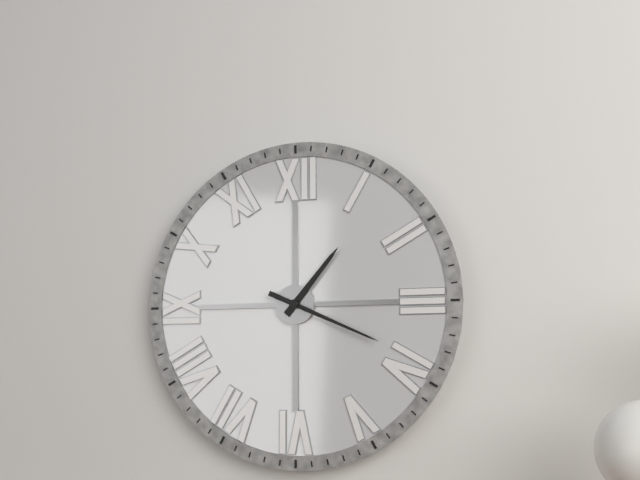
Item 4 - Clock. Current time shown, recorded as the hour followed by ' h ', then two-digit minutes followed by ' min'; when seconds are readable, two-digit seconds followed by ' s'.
1 h 19 min
